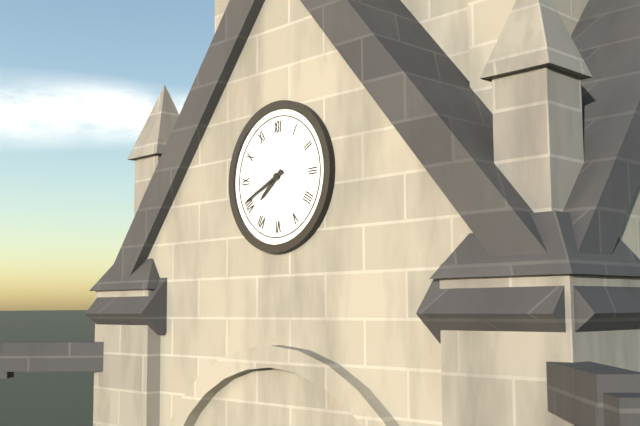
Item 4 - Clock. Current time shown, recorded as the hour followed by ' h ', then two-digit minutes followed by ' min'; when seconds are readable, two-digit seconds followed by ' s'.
7 h 41 min
